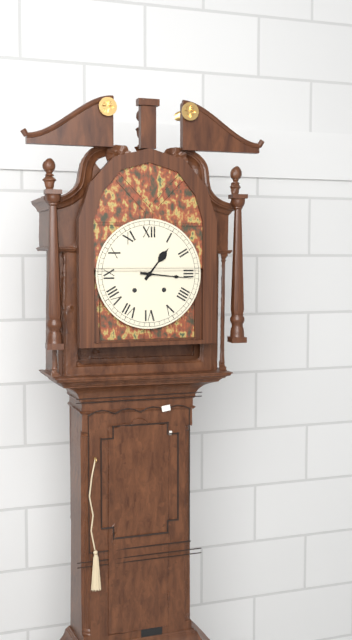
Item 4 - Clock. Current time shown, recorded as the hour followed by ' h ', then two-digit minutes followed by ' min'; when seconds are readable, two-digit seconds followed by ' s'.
1 h 16 min
